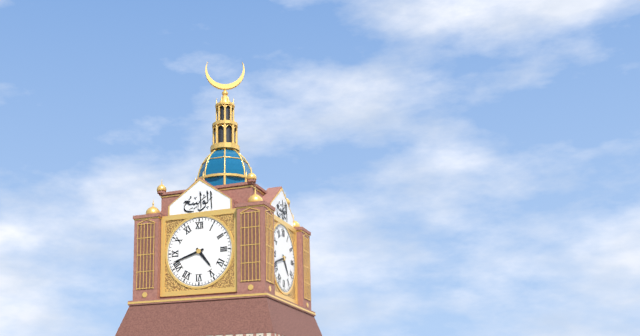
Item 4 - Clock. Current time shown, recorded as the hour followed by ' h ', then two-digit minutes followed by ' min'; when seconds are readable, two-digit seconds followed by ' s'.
4 h 42 min
